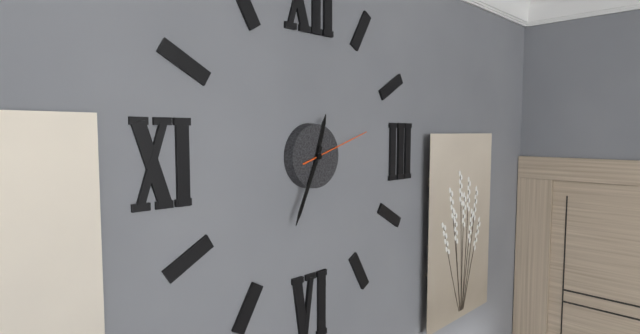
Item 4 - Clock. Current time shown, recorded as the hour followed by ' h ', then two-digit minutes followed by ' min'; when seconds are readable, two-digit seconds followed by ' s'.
12 h 34 min 12 s
